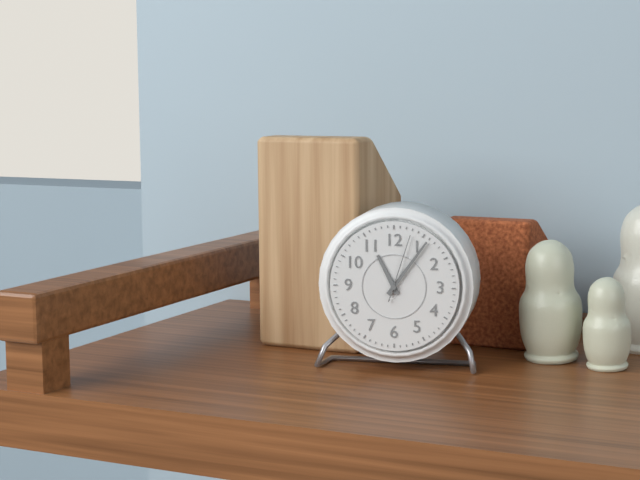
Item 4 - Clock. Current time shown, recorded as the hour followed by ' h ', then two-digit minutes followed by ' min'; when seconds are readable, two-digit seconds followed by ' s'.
11 h 06 min 03 s
